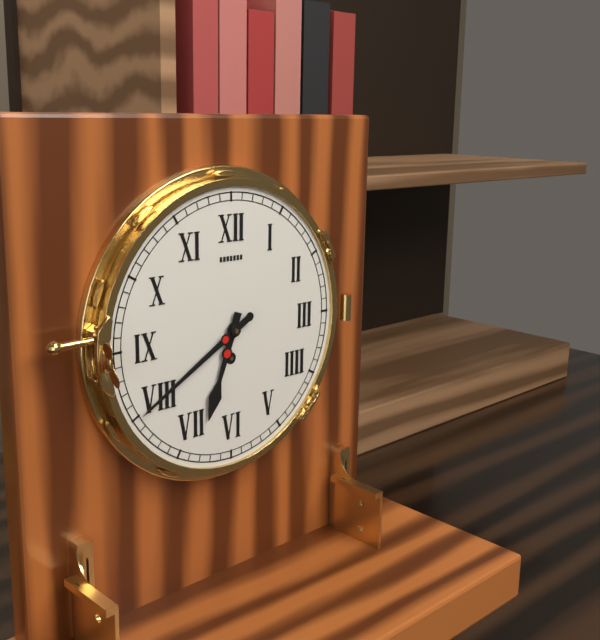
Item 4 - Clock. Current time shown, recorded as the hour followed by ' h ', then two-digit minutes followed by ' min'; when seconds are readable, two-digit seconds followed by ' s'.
6 h 40 min
